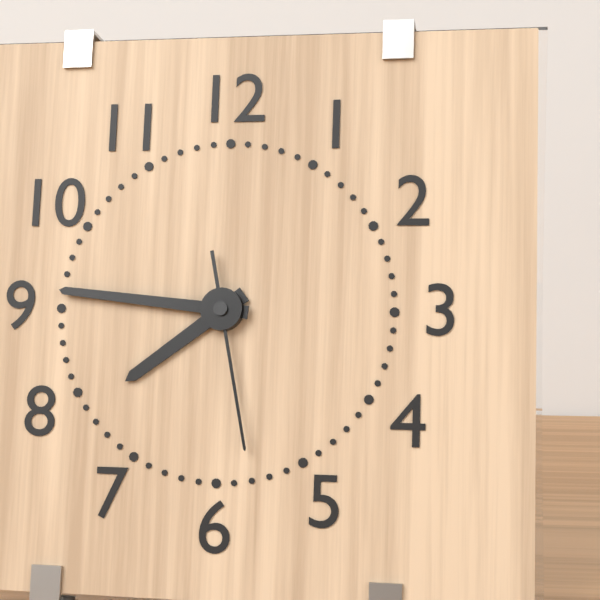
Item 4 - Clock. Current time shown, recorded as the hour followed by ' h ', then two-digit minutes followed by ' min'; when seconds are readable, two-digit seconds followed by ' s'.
7 h 46 min 28 s
